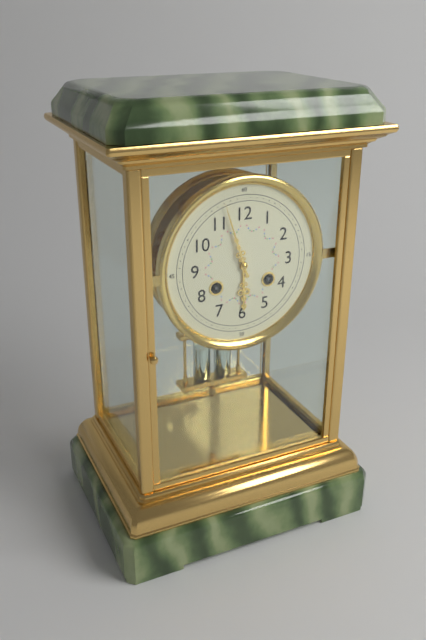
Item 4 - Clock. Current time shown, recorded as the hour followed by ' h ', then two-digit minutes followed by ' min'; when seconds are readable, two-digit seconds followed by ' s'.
5 h 57 min
